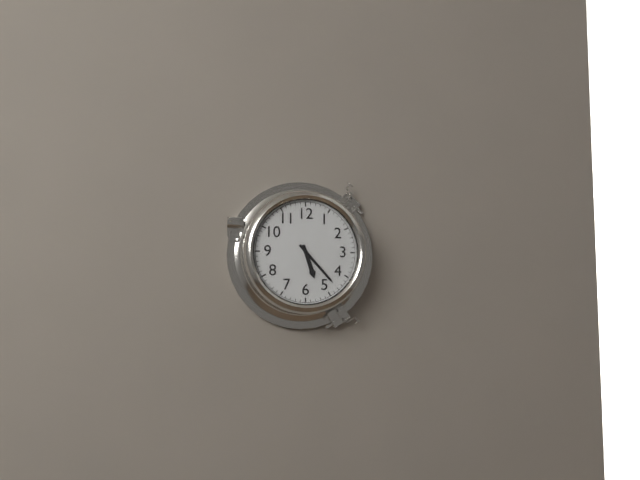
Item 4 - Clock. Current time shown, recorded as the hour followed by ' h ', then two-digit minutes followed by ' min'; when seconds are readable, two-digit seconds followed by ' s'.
5 h 23 min
